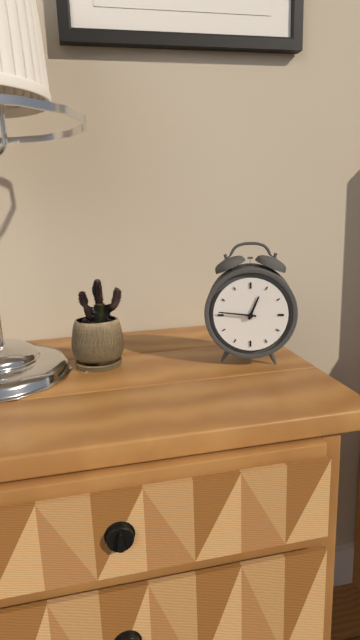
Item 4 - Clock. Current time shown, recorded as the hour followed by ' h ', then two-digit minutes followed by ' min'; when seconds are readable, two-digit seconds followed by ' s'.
12 h 46 min
